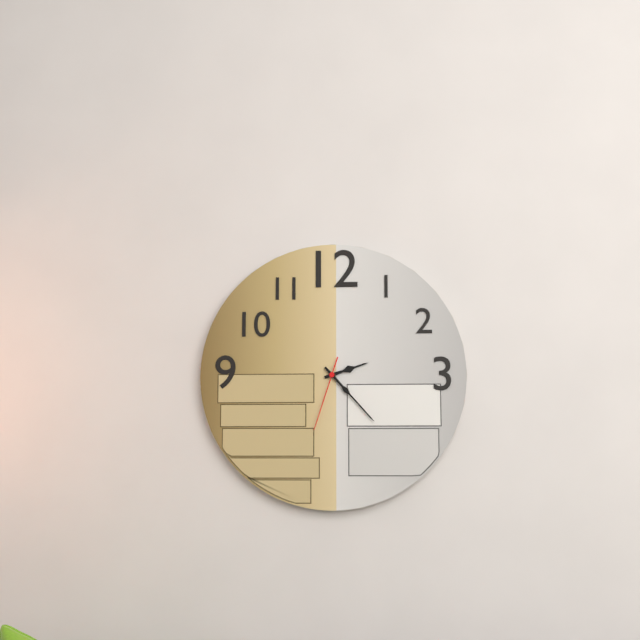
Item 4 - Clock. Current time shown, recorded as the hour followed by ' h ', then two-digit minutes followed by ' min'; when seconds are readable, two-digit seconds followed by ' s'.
2 h 23 min 33 s
